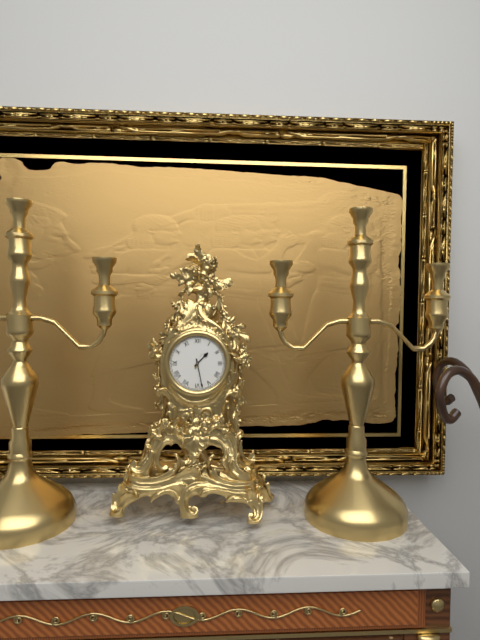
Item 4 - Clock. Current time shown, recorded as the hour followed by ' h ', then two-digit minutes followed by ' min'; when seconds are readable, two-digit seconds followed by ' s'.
1 h 28 min
